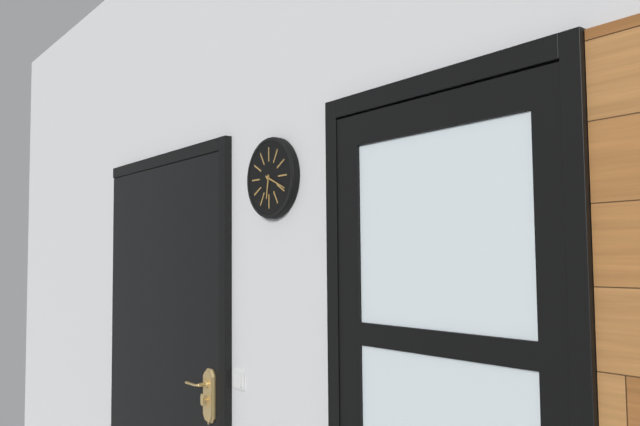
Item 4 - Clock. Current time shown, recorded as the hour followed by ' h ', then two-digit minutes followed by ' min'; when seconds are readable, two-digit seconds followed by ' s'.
6 h 19 min
